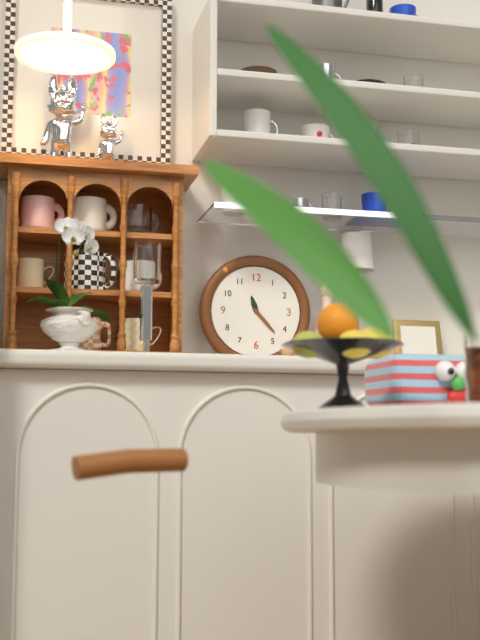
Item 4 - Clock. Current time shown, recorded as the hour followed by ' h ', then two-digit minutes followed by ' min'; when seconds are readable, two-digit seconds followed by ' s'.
11 h 23 min
